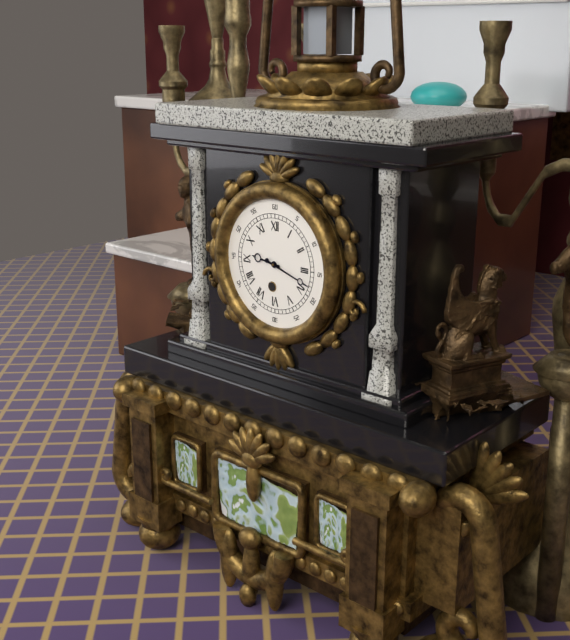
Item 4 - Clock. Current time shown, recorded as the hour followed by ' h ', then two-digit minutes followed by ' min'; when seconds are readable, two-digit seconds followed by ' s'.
9 h 18 min
